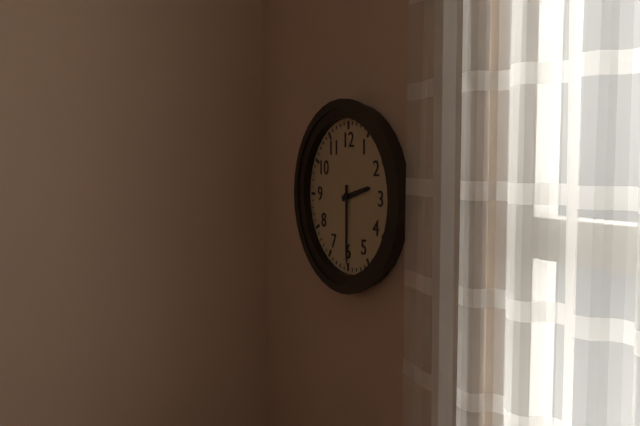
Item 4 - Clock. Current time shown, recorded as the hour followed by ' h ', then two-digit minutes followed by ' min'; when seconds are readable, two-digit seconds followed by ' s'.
2 h 30 min
